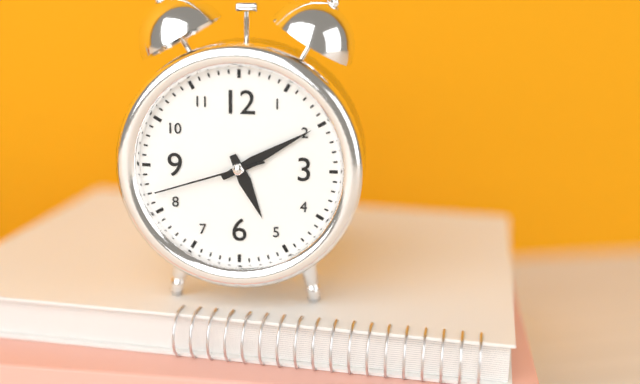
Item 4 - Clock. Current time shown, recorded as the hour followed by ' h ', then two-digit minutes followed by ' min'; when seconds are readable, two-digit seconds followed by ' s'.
5 h 10 min 42 s
